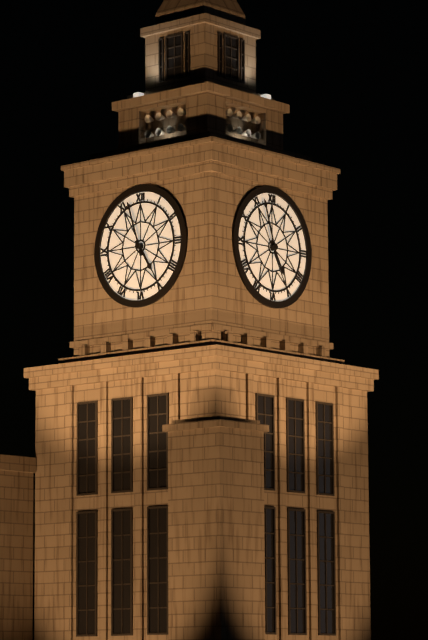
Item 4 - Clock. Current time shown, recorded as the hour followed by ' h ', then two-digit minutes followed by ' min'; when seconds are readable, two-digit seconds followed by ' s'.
4 h 57 min
